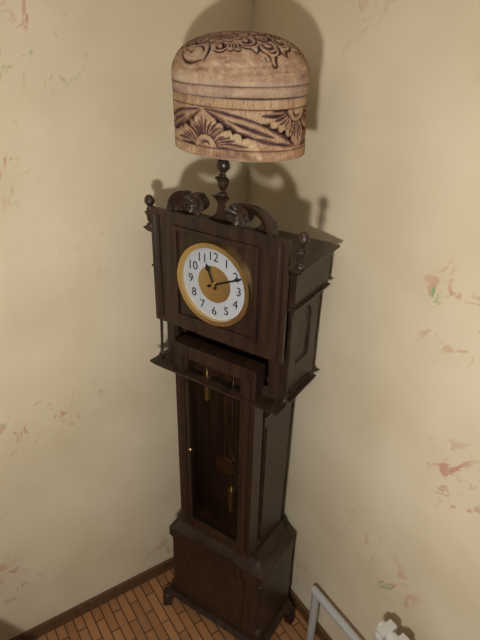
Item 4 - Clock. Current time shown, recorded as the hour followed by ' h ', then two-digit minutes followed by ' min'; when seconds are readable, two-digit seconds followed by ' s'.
11 h 11 min
